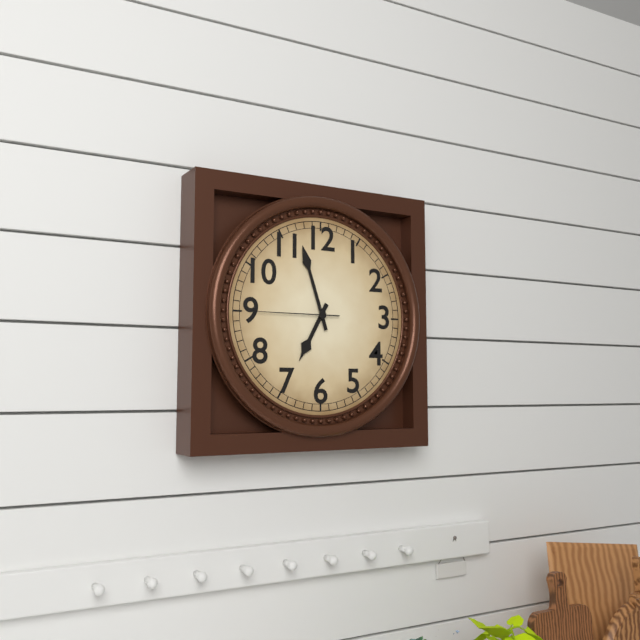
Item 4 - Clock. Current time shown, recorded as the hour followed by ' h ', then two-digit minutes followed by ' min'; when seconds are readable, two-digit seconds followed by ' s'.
6 h 57 min 45 s
